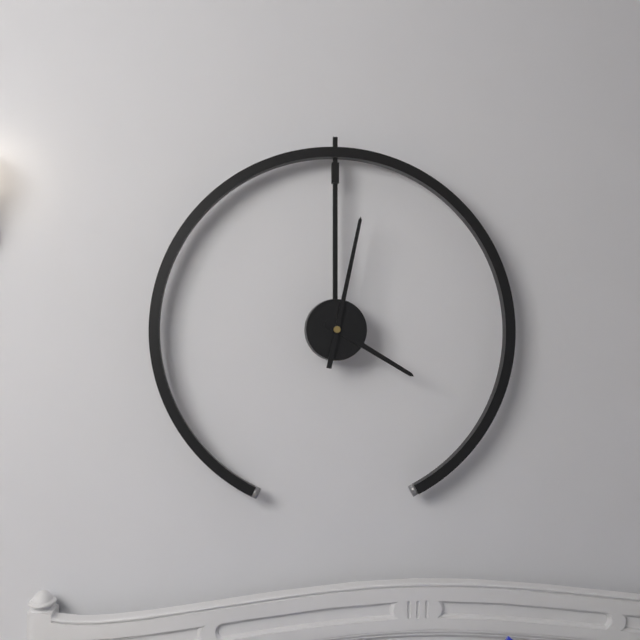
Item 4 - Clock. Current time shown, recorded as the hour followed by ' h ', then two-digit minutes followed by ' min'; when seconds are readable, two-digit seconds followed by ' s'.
4 h 02 min
